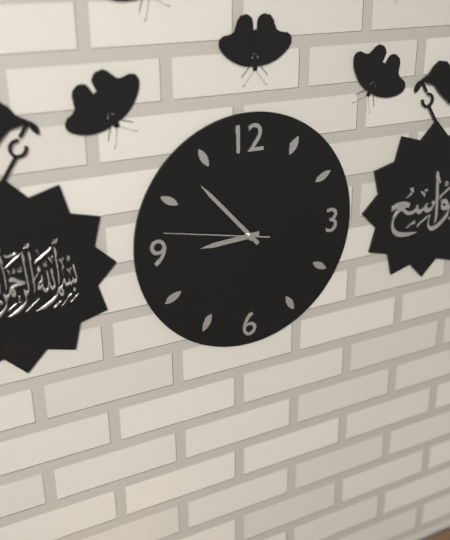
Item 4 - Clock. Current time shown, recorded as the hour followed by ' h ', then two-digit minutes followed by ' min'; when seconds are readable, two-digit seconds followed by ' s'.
8 h 53 min 47 s
